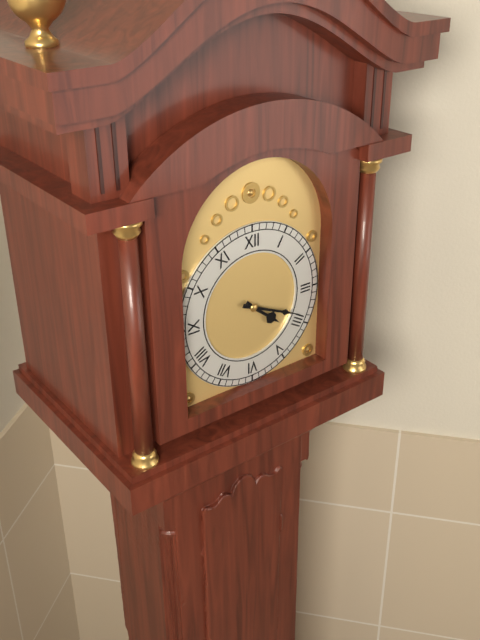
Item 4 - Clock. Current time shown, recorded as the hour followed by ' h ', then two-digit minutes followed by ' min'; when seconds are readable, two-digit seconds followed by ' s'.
4 h 19 min
